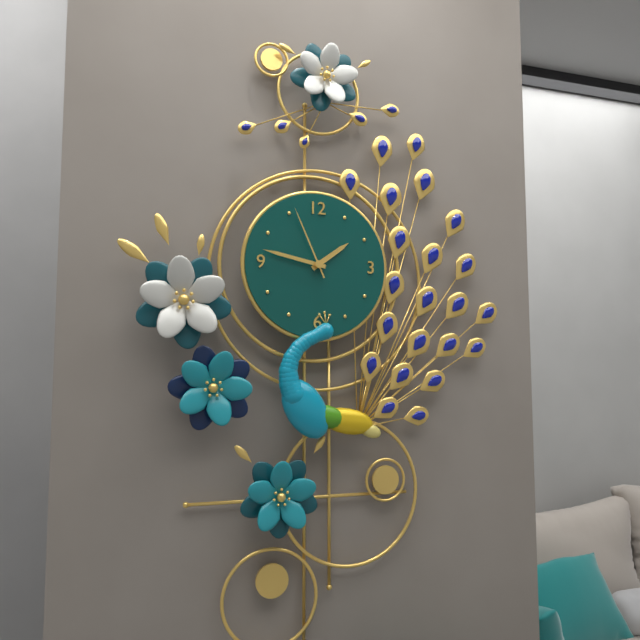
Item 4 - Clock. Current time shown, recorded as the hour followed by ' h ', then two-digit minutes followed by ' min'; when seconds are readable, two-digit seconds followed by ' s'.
1 h 47 min 56 s
